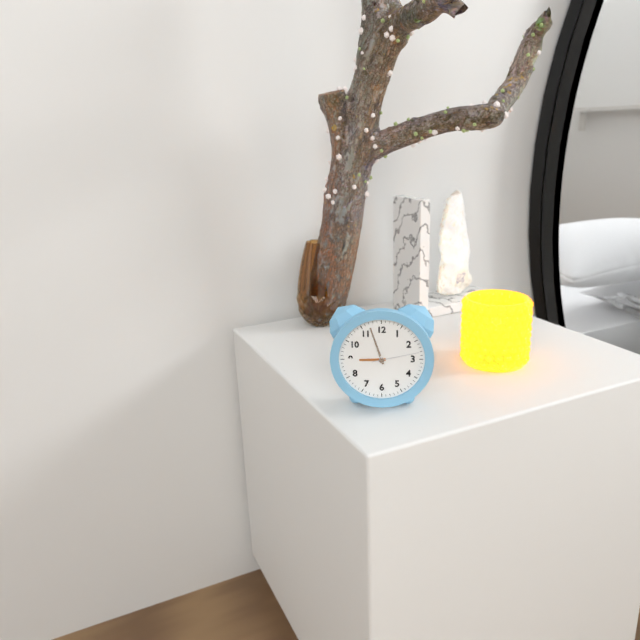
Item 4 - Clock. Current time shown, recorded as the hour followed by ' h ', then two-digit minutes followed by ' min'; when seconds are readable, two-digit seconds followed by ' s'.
8 h 57 min
